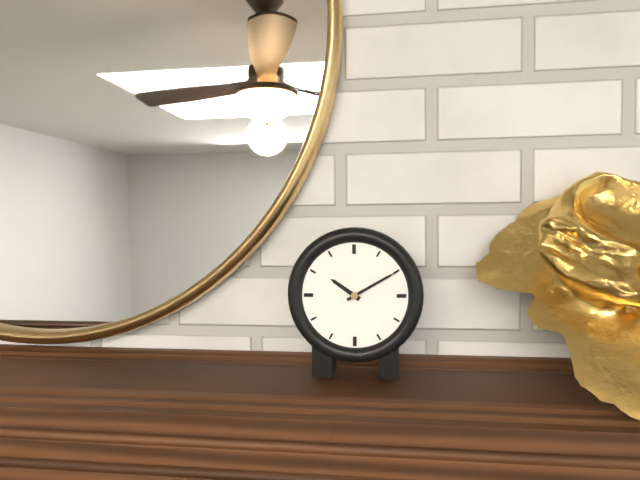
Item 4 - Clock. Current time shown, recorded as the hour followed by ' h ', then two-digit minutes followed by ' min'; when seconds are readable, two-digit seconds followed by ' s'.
10 h 10 min
